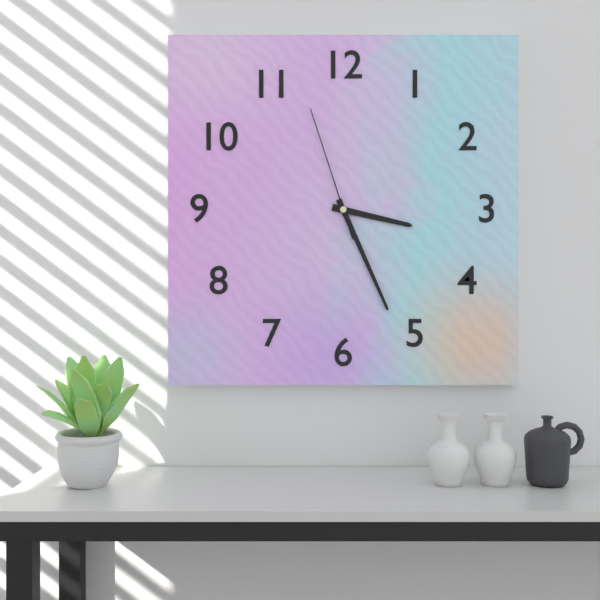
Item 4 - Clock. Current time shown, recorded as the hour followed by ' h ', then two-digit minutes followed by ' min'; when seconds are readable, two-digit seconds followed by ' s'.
3 h 26 min 57 s
